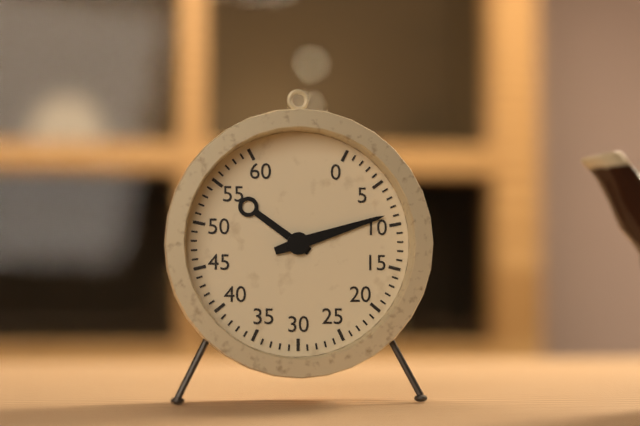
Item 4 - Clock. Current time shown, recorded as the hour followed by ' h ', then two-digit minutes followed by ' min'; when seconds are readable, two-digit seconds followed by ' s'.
10 h 12 min
